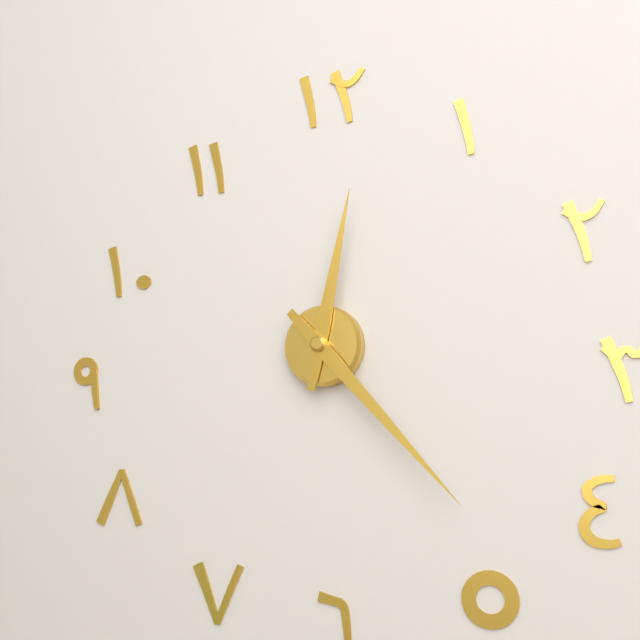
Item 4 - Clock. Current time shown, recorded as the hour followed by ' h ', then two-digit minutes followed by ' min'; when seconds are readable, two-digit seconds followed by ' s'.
12 h 23 min
